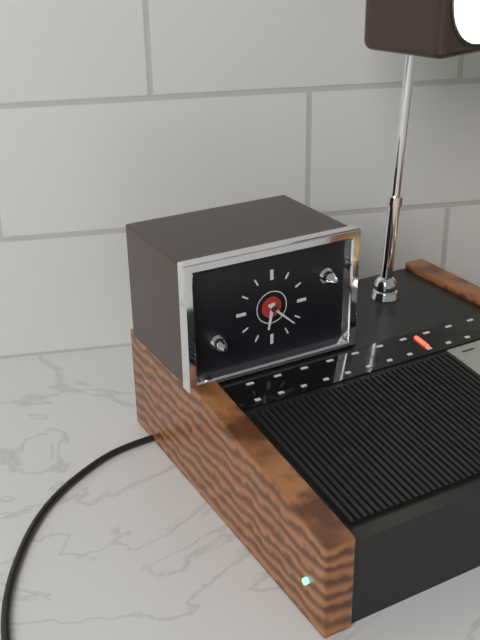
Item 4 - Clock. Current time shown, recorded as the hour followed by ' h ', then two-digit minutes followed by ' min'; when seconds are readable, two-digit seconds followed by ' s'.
6 h 22 min
